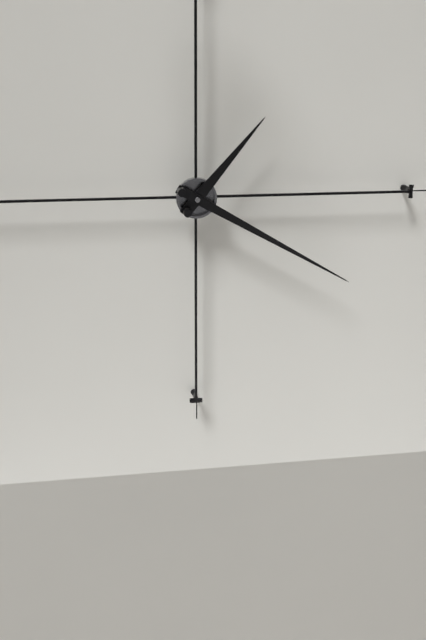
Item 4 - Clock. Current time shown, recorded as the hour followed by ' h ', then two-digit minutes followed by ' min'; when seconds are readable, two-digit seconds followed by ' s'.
1 h 20 min
